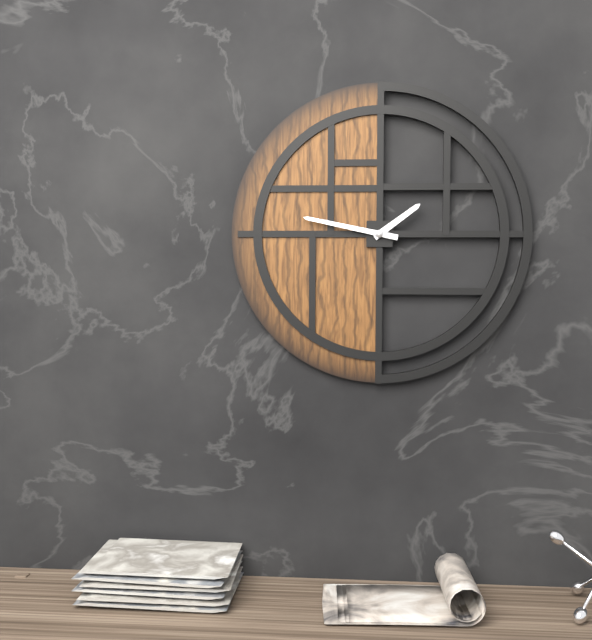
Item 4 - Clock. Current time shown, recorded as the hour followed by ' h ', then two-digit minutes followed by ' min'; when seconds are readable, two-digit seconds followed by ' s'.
1 h 47 min
